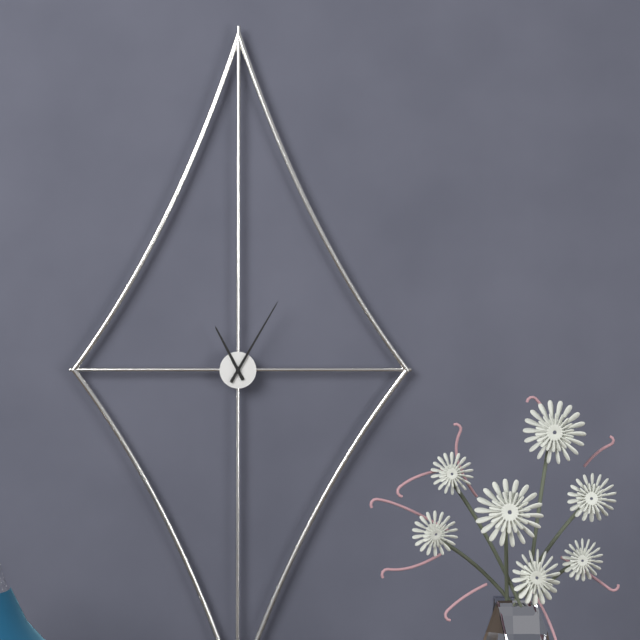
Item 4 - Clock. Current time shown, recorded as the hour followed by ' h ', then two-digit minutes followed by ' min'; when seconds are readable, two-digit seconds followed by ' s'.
11 h 05 min
